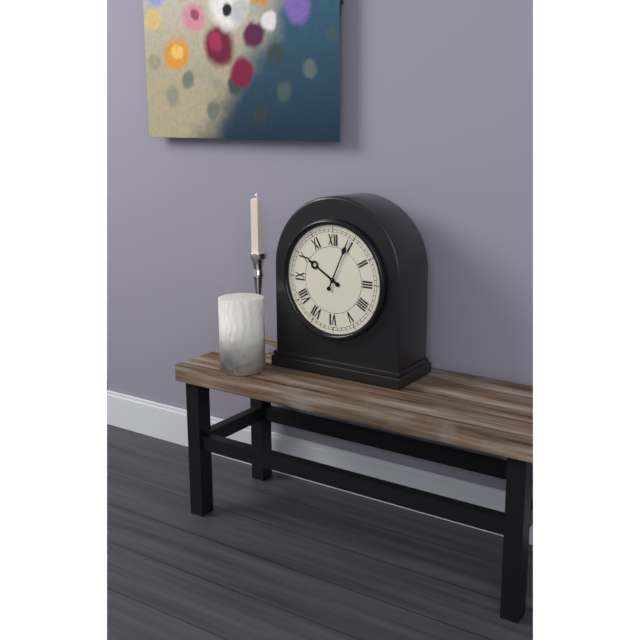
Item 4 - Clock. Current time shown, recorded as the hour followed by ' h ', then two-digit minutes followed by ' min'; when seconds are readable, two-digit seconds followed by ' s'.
10 h 04 min
